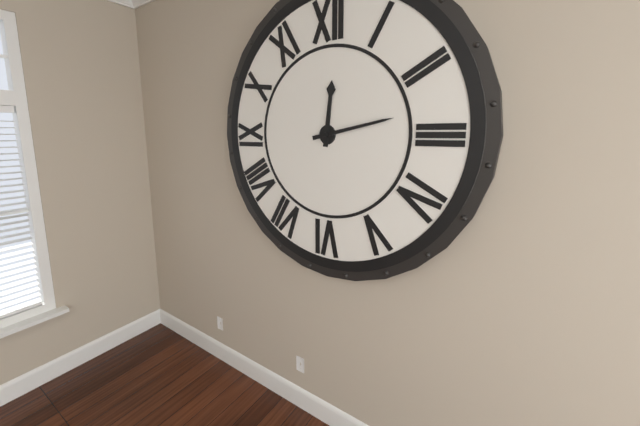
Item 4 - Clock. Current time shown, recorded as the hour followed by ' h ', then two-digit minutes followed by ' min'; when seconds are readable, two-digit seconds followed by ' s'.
12 h 13 min
